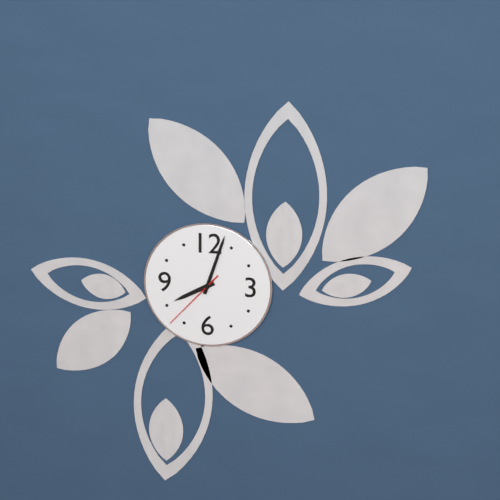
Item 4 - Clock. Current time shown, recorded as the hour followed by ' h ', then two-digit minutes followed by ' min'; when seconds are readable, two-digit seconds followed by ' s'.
8 h 03 min 37 s
